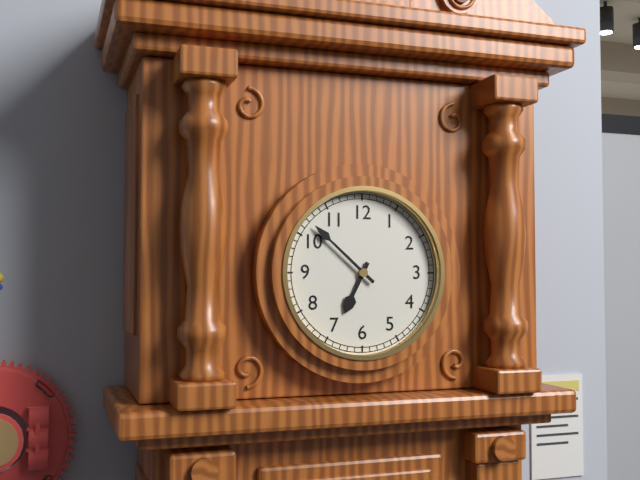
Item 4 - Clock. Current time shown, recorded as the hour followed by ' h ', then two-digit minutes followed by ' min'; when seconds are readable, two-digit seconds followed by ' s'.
6 h 52 min
